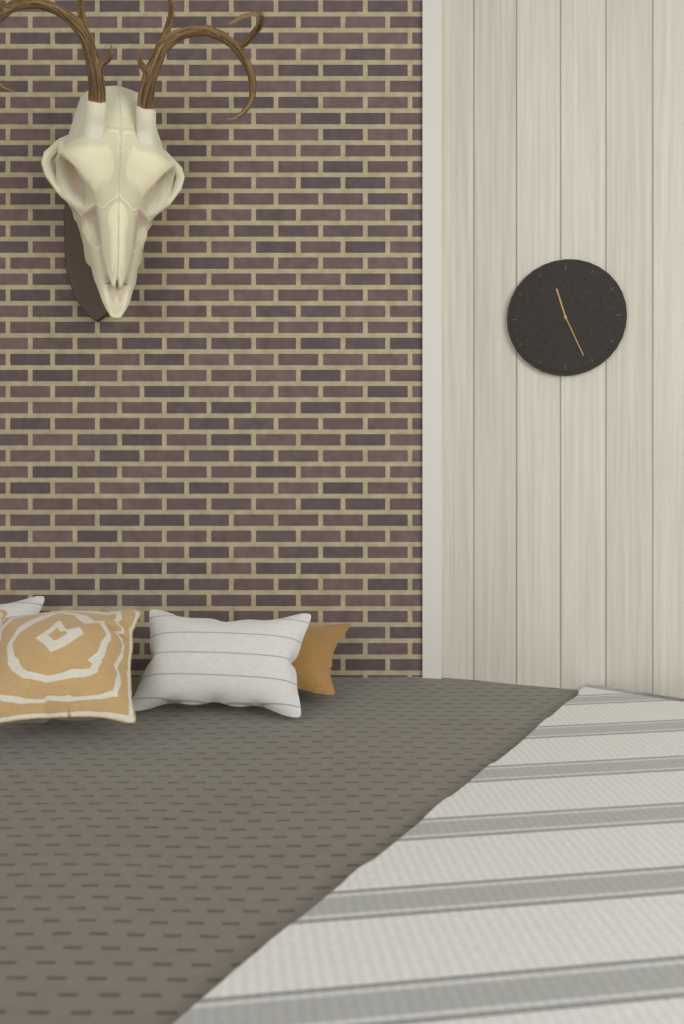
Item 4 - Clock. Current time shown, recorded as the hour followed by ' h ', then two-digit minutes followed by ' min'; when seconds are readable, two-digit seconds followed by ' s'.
11 h 26 min
